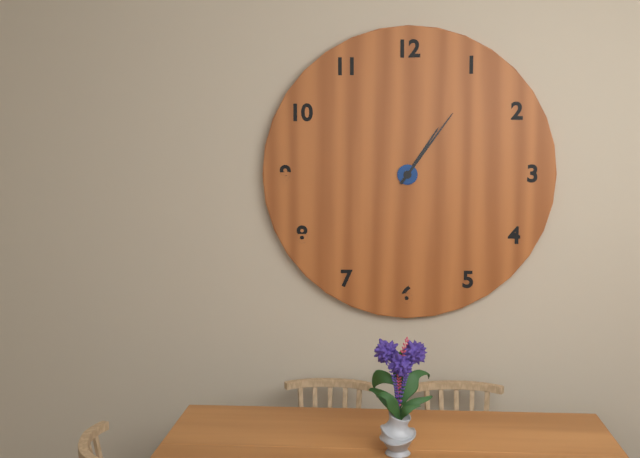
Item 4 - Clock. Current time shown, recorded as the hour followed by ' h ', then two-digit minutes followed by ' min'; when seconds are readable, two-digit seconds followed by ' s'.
1 h 06 min
